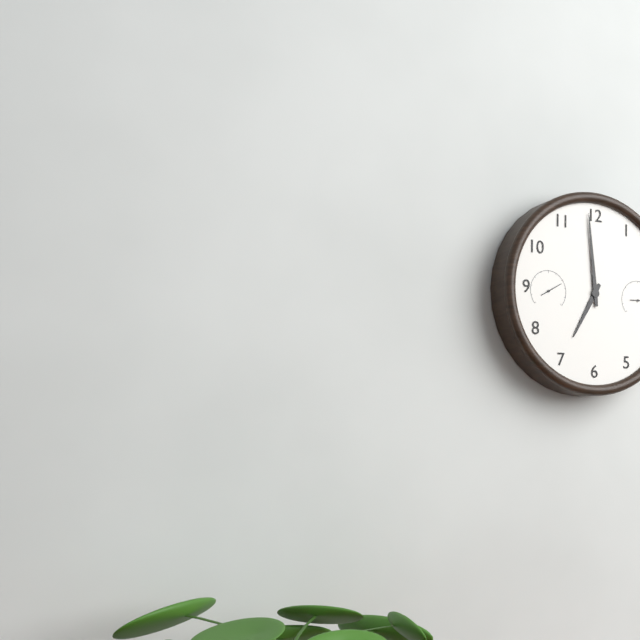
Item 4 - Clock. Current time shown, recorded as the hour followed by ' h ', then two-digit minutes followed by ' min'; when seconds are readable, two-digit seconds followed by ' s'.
6 h 59 min
